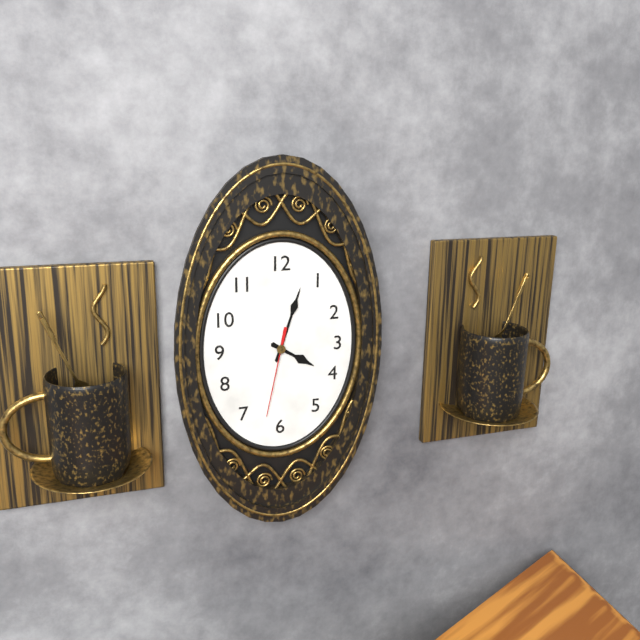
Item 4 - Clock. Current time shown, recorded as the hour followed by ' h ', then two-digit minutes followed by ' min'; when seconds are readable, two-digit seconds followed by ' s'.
4 h 03 min 32 s
